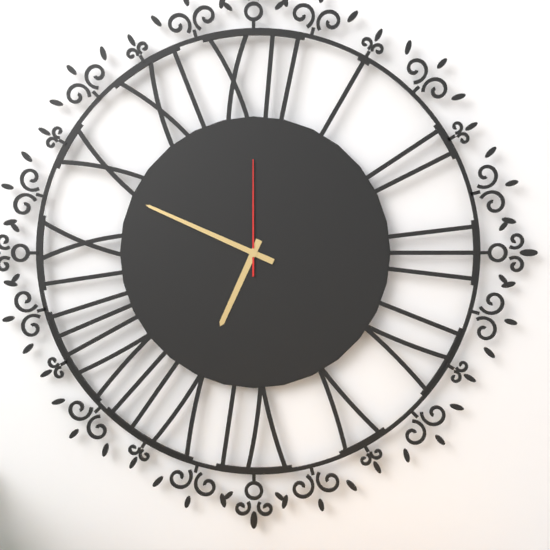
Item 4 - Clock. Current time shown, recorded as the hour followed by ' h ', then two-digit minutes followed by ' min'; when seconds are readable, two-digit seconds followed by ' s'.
6 h 49 min 00 s
